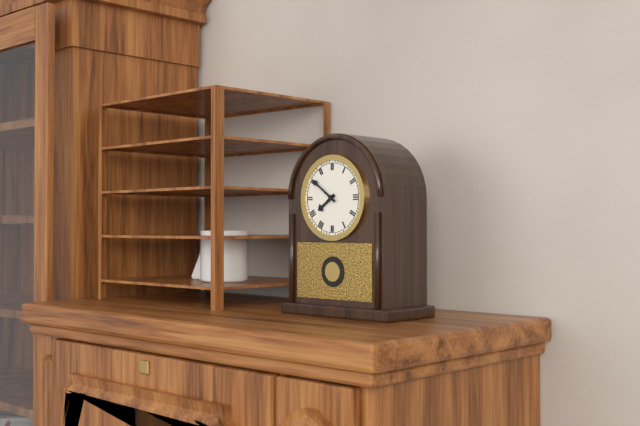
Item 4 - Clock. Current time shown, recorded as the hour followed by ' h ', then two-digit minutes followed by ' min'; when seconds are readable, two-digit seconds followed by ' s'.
7 h 51 min
